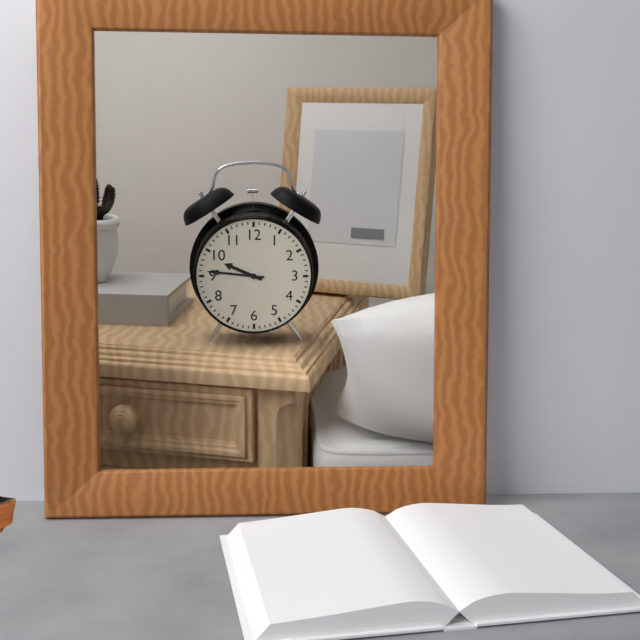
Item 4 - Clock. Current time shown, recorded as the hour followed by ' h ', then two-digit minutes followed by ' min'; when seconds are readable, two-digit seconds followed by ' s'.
9 h 46 min
